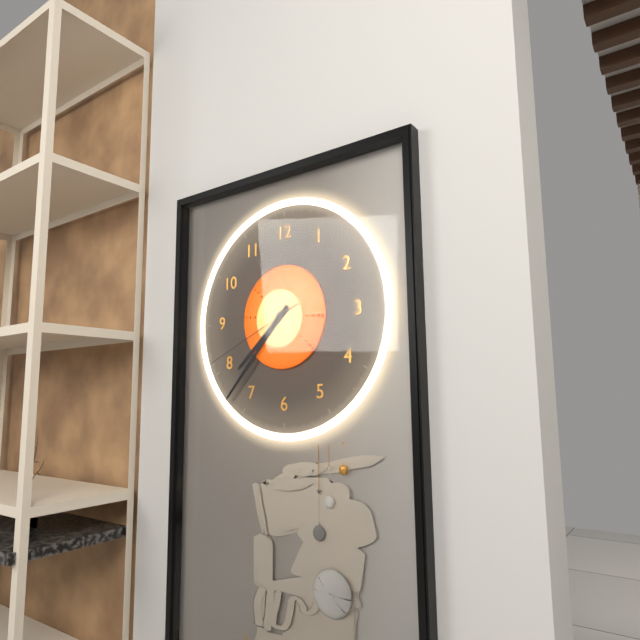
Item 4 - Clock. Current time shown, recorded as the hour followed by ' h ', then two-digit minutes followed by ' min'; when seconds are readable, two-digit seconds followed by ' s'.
7 h 37 min 41 s
